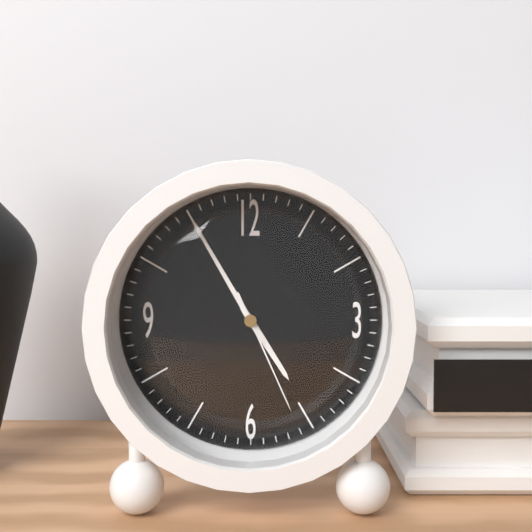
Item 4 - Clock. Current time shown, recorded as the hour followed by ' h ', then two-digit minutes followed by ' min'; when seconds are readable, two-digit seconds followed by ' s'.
4 h 55 min 26 s
